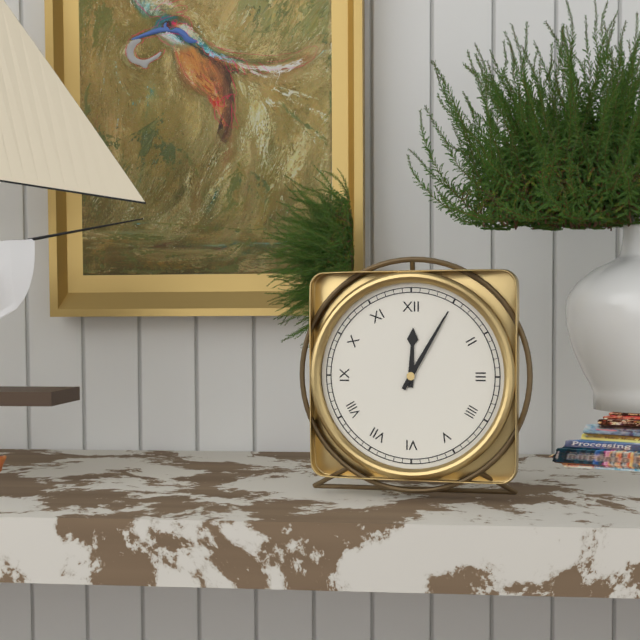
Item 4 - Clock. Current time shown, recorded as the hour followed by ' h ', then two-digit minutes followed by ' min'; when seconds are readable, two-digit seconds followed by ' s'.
12 h 05 min
